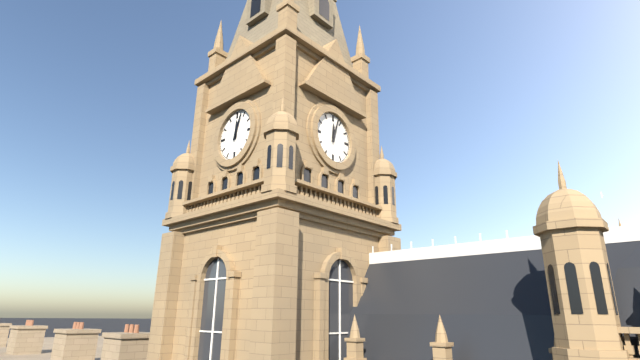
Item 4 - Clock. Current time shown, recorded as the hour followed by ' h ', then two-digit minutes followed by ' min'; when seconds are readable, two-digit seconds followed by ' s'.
12 h 03 min
